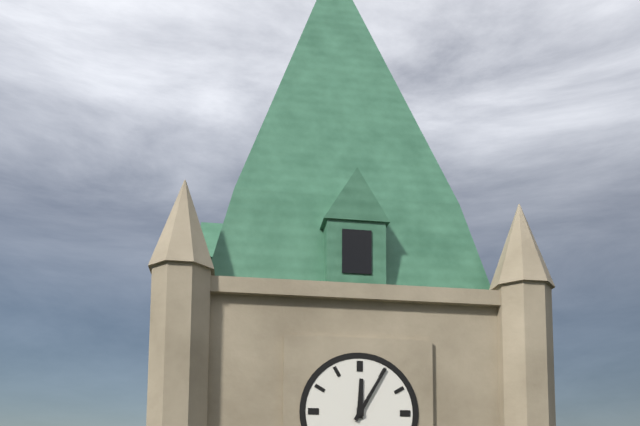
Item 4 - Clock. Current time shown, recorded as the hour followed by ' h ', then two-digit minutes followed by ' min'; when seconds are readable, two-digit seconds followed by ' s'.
12 h 05 min
